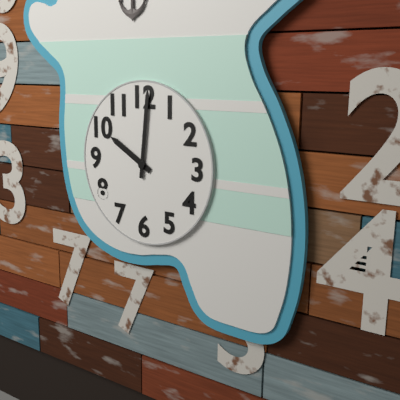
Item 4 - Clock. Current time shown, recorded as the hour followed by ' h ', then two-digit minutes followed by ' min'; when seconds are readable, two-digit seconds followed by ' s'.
10 h 01 min
